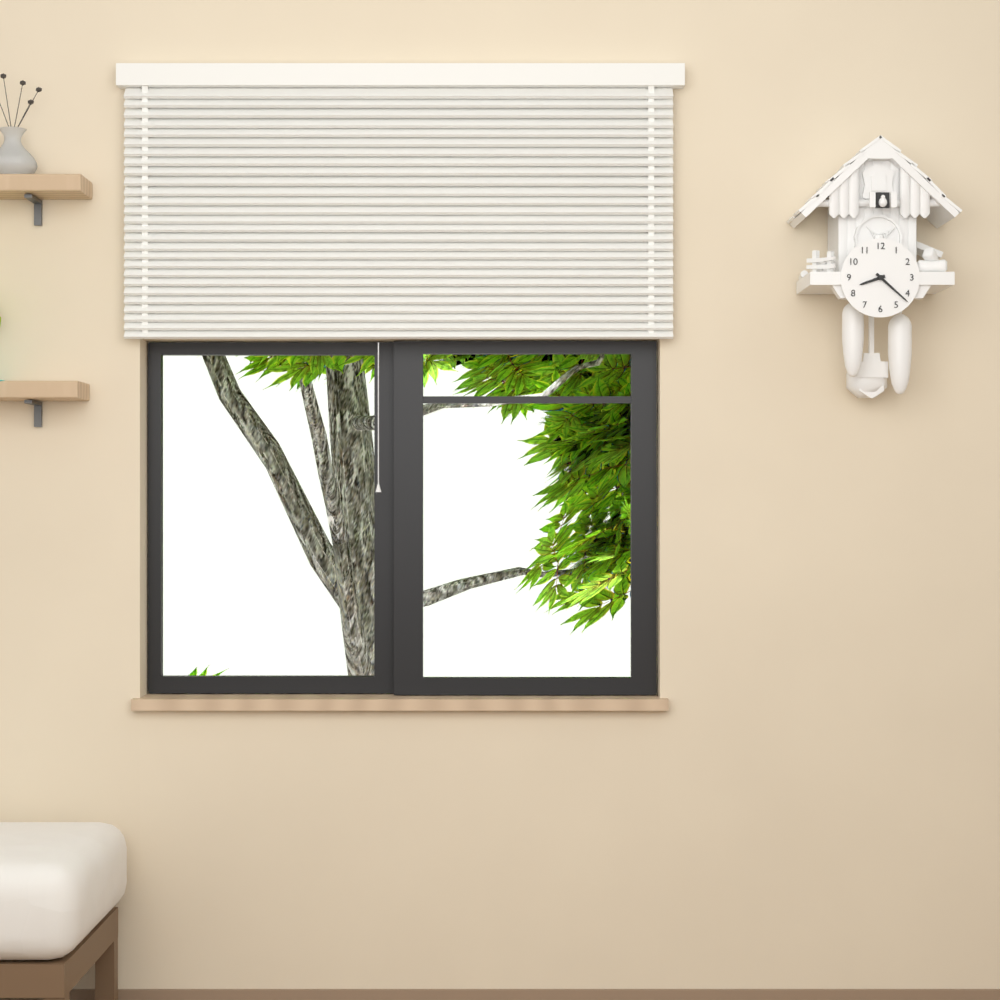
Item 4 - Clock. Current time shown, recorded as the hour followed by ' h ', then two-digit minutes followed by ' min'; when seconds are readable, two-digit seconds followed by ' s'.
8 h 22 min
